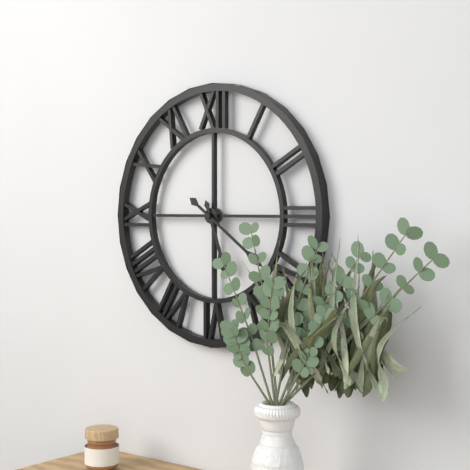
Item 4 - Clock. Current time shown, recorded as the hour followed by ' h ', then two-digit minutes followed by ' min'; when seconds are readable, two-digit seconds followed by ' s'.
5 h 21 min
